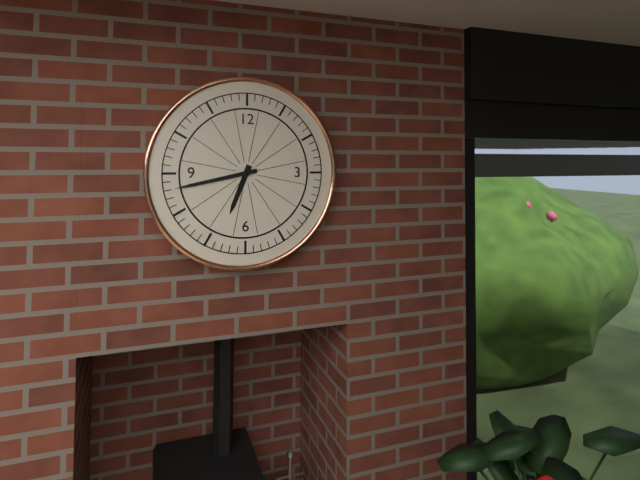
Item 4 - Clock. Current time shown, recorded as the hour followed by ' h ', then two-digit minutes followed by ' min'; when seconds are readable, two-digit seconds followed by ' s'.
6 h 43 min
